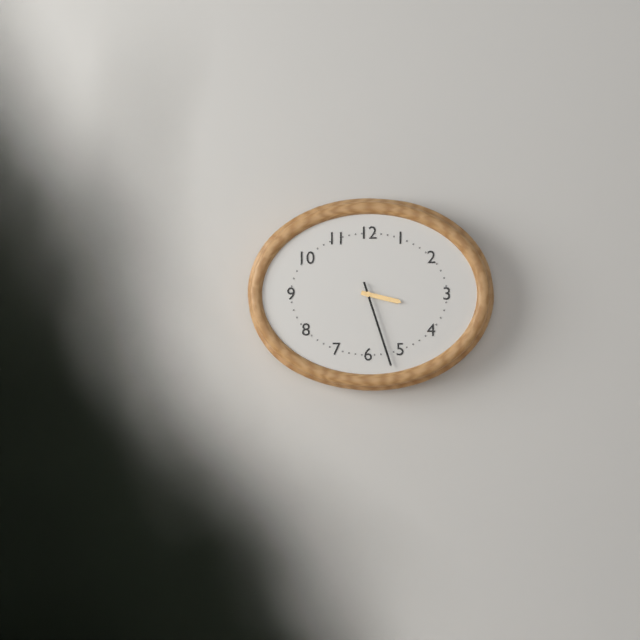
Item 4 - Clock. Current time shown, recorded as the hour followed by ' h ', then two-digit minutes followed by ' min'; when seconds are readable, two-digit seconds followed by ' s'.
3 h 27 min
